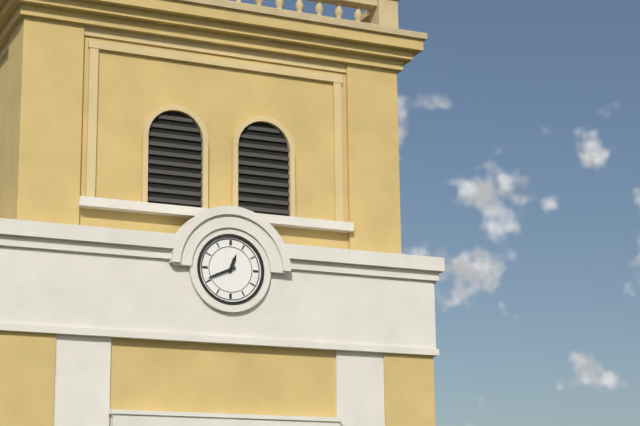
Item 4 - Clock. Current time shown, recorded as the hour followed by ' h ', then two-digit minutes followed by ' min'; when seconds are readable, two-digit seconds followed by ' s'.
12 h 41 min
